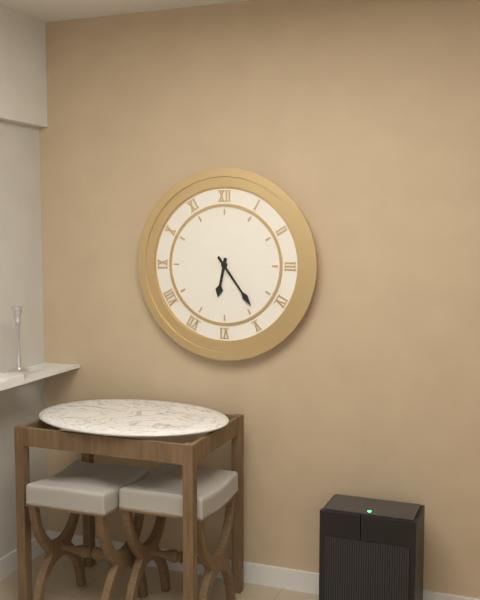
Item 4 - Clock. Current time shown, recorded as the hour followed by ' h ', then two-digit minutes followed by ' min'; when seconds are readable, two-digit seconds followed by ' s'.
6 h 24 min
